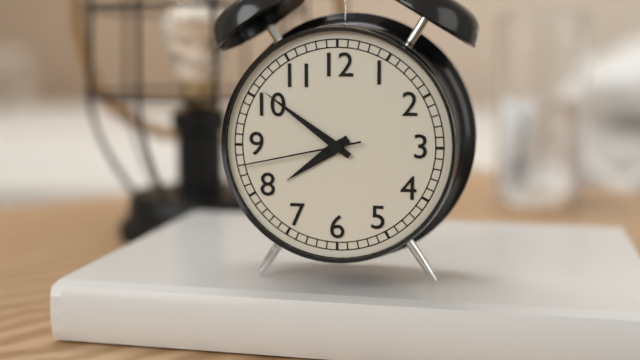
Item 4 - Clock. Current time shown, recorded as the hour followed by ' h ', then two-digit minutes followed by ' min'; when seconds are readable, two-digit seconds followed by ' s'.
7 h 51 min 43 s
